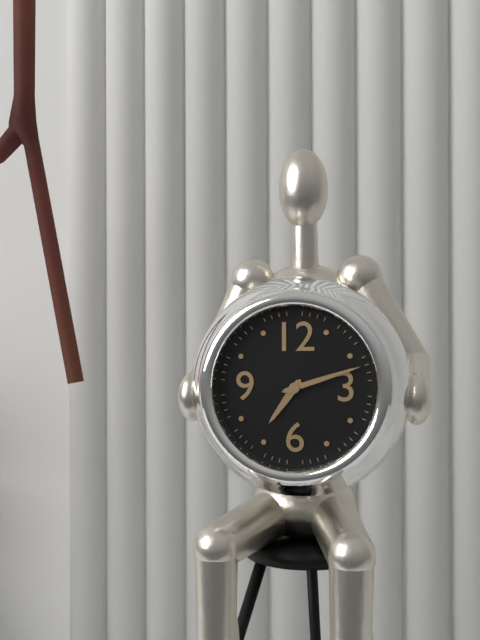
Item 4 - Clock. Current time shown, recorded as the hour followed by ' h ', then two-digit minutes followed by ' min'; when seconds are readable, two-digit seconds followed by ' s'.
7 h 12 min
